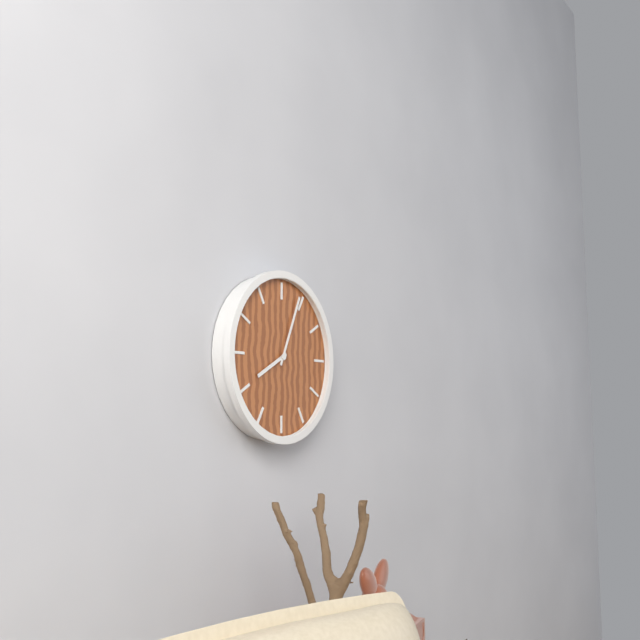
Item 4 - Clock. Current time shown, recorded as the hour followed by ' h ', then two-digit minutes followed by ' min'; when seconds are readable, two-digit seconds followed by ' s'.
8 h 04 min
